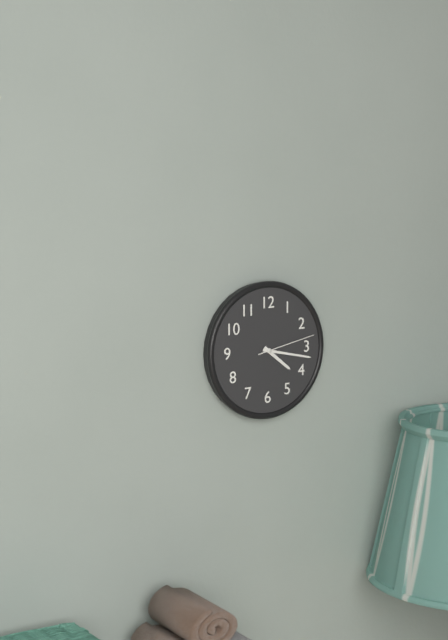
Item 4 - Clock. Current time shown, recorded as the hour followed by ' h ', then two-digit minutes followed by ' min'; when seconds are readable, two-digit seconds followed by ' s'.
4 h 17 min 13 s
